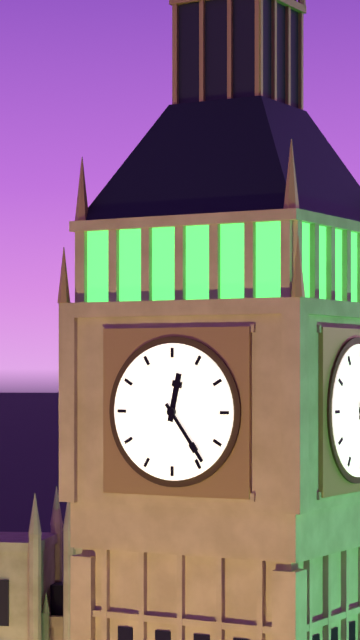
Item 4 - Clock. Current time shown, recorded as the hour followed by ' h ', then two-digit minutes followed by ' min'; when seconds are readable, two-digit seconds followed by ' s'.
12 h 24 min
